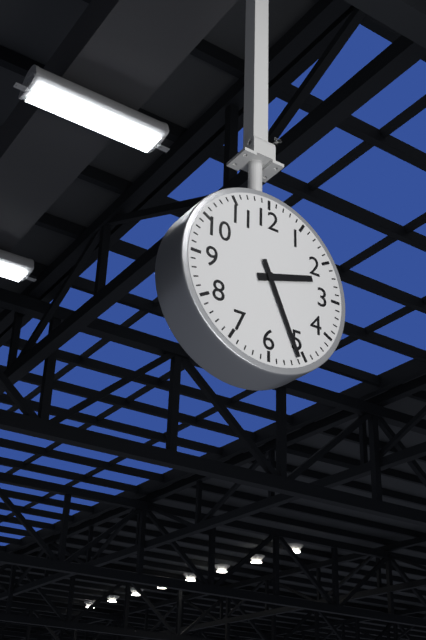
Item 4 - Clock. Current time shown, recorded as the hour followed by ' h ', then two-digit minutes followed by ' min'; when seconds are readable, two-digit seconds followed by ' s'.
2 h 26 min
